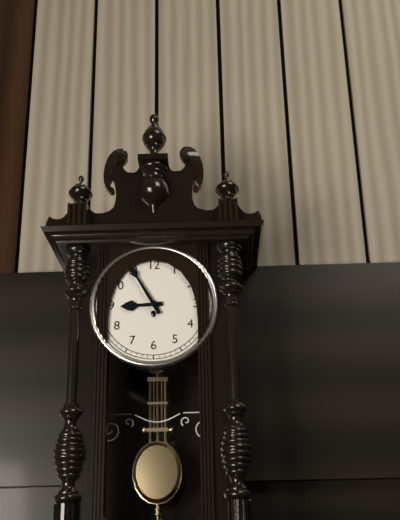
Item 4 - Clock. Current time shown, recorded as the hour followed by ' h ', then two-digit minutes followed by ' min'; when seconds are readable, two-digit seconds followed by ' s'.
8 h 55 min
